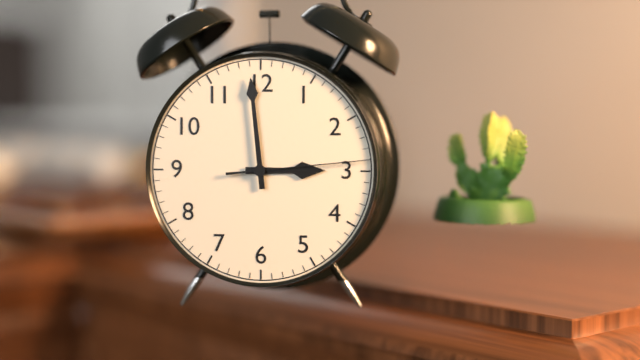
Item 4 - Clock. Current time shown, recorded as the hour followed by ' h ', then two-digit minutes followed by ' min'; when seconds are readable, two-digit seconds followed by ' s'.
2 h 59 min 14 s
